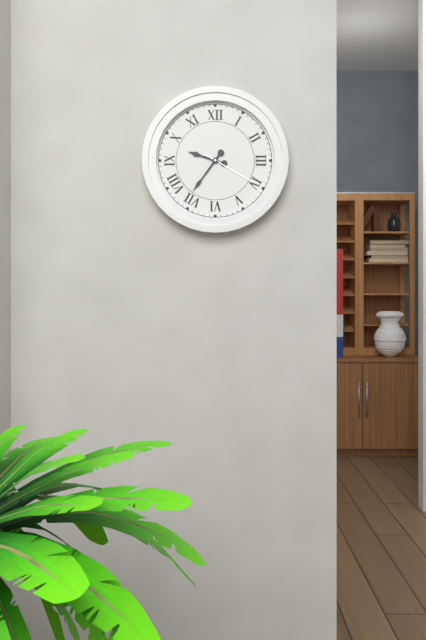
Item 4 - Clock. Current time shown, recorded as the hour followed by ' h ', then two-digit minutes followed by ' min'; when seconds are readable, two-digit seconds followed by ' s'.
9 h 36 min 20 s
